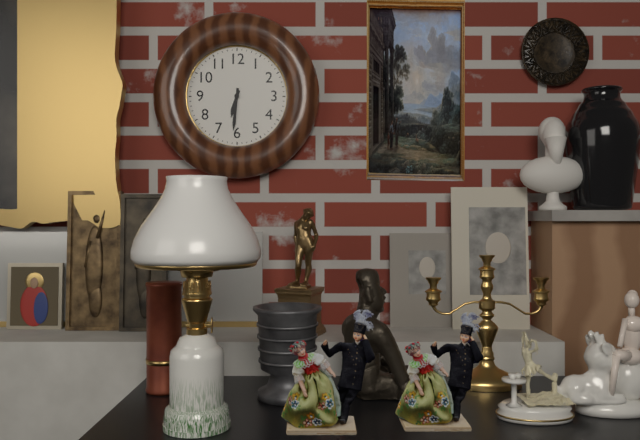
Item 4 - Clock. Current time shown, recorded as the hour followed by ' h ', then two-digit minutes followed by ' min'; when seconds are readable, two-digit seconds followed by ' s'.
6 h 31 min
